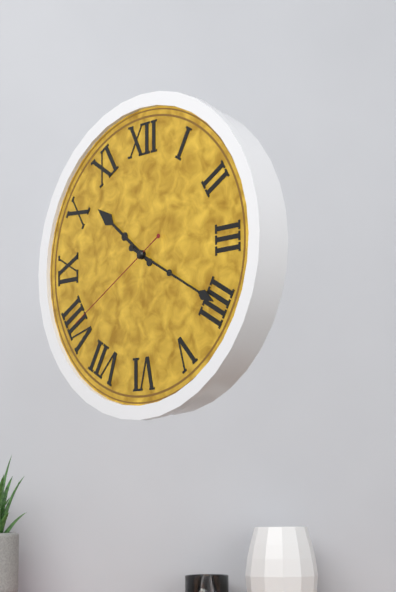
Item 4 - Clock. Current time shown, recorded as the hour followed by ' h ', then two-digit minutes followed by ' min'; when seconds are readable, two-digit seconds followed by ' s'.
10 h 20 min 40 s
